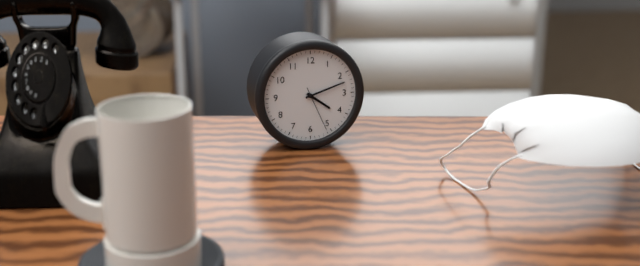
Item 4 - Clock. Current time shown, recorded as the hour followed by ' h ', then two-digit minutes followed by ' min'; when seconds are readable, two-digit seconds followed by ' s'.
4 h 12 min
